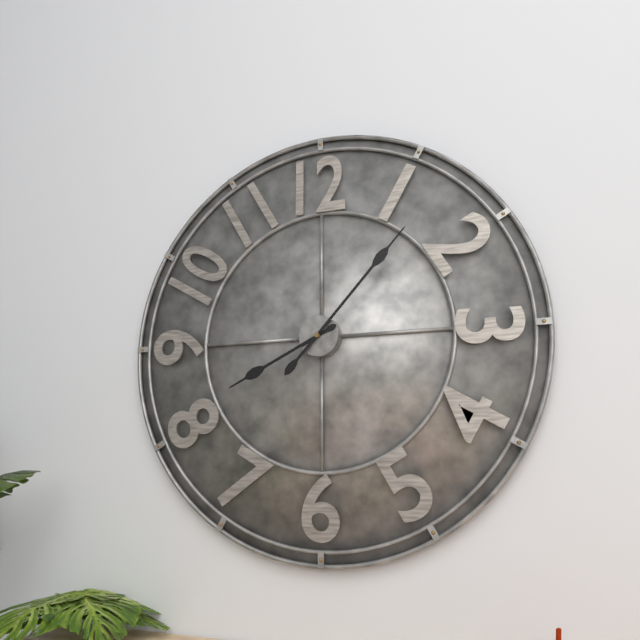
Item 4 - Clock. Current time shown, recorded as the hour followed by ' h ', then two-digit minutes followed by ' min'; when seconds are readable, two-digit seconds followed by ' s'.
8 h 07 min
